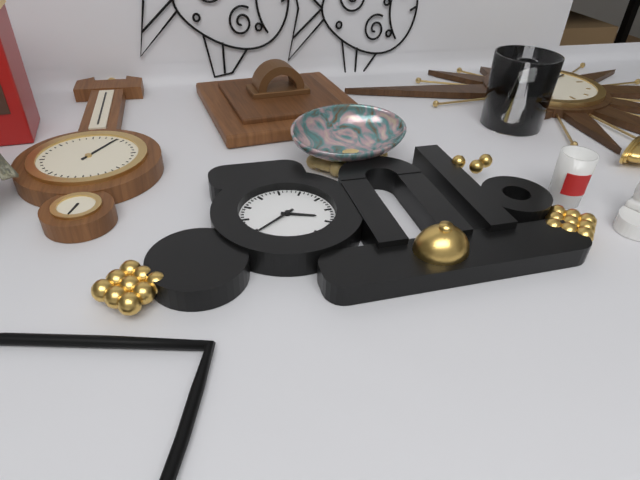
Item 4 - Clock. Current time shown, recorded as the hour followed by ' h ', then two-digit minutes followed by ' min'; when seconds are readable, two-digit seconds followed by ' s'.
3 h 39 min
